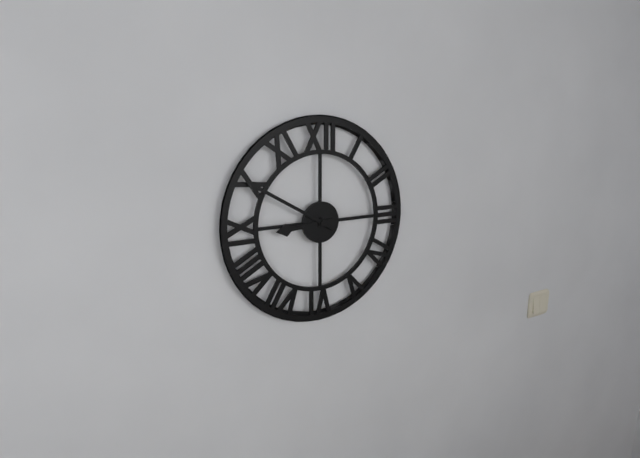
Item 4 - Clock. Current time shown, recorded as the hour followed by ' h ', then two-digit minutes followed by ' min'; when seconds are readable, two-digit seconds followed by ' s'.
8 h 50 min
